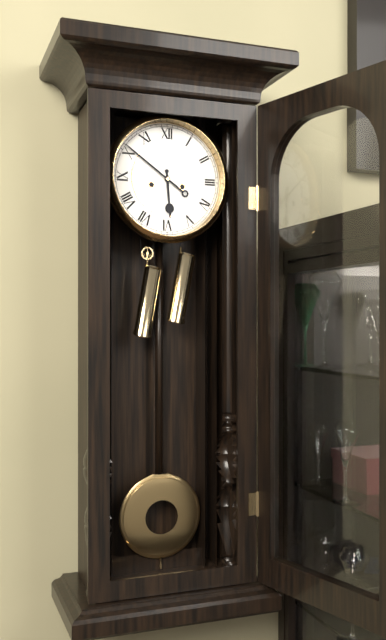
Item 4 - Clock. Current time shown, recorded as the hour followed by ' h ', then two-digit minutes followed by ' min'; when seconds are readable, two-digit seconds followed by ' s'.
5 h 51 min
